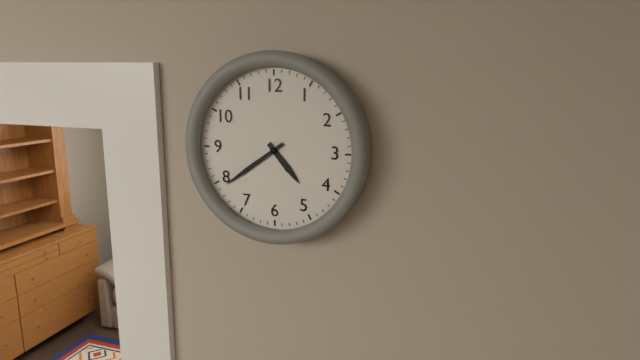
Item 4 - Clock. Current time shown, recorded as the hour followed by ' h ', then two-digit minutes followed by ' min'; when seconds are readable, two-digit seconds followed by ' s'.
4 h 39 min
